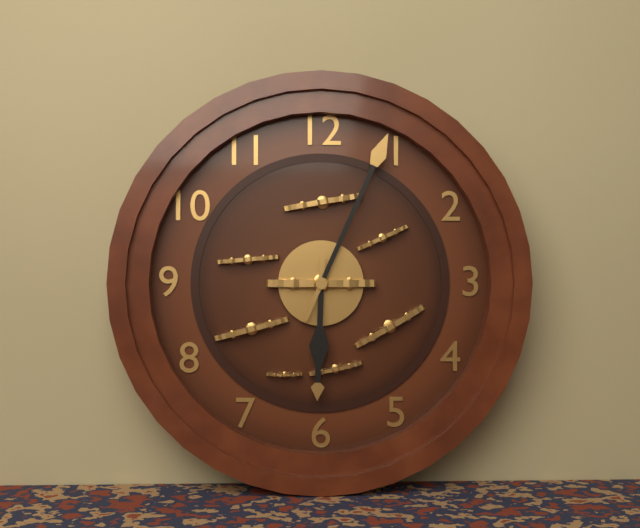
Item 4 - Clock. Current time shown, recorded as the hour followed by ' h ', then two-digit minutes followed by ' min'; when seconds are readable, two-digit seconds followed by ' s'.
6 h 04 min
